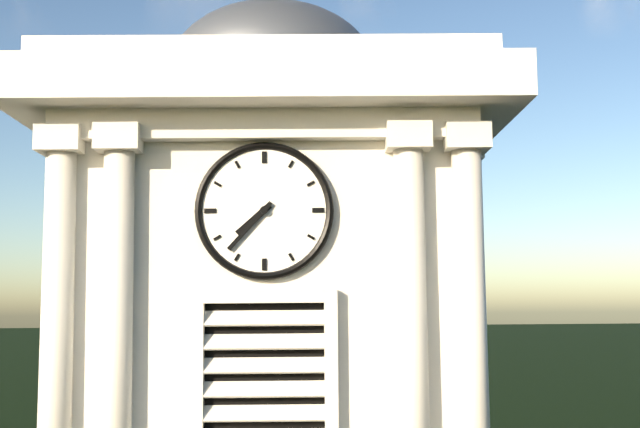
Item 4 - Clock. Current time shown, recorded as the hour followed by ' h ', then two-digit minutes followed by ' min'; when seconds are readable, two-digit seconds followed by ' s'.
7 h 37 min
